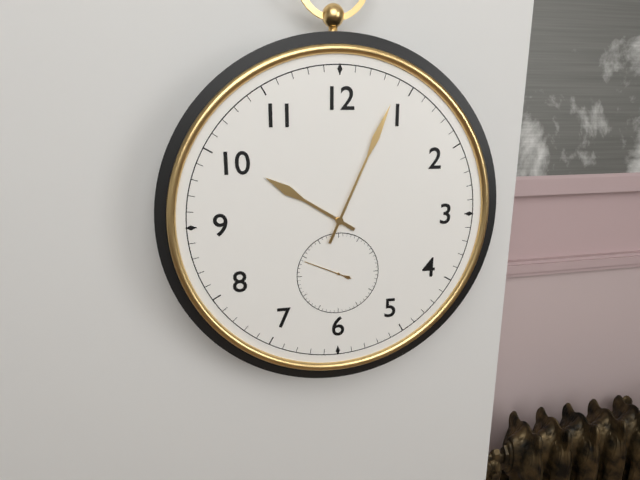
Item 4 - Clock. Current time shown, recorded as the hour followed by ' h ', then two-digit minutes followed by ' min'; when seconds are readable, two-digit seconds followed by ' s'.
10 h 04 min
